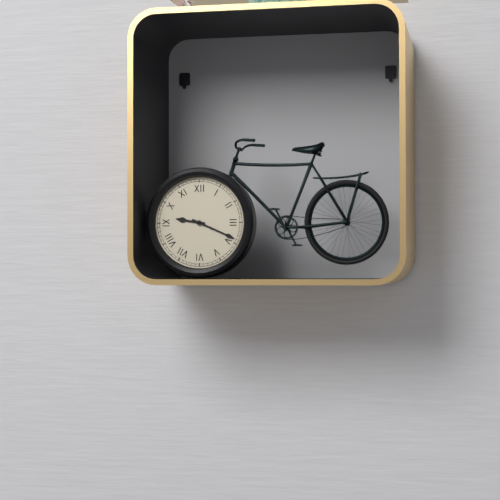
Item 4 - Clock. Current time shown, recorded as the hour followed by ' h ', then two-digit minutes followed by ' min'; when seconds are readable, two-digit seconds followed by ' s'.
9 h 19 min
